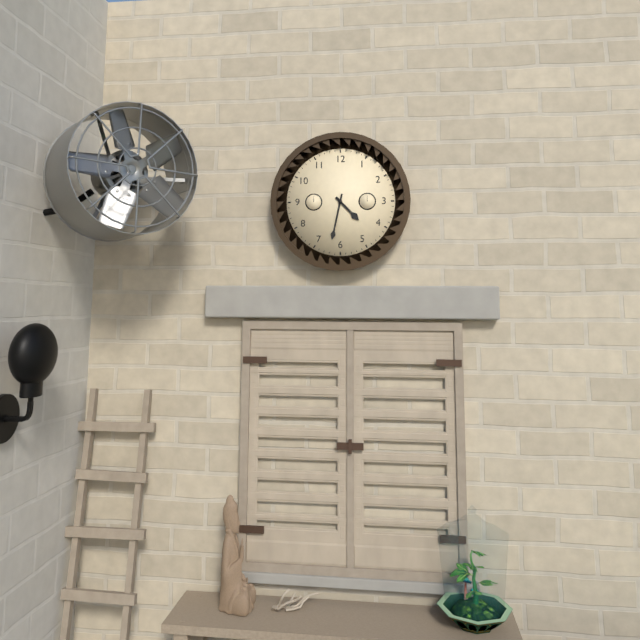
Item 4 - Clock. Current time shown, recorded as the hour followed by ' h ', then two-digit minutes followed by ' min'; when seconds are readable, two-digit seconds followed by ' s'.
4 h 32 min
